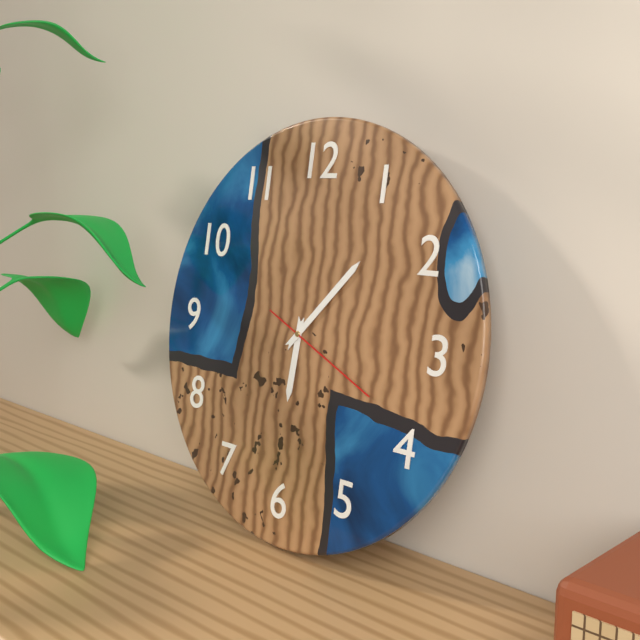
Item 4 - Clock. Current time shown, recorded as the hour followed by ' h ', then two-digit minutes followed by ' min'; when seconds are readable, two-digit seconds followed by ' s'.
6 h 07 min 19 s
